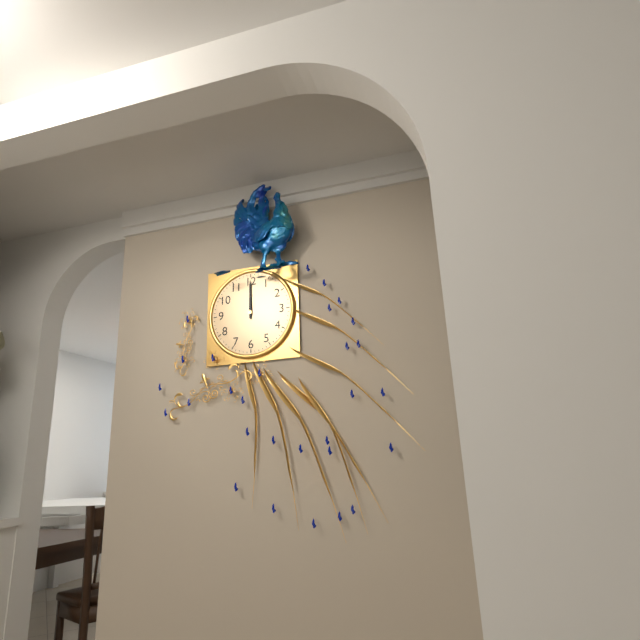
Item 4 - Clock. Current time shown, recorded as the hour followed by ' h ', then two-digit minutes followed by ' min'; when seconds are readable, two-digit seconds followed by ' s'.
12 h 00 min
